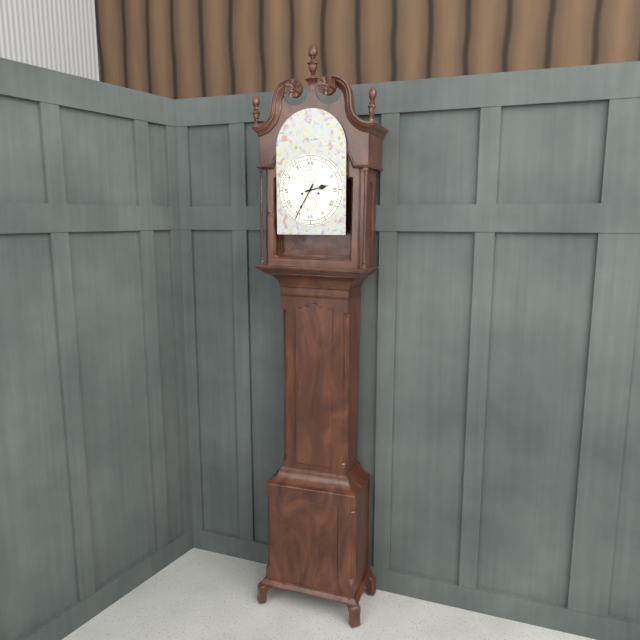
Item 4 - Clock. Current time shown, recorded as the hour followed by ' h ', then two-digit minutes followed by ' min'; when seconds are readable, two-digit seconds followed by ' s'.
2 h 35 min
